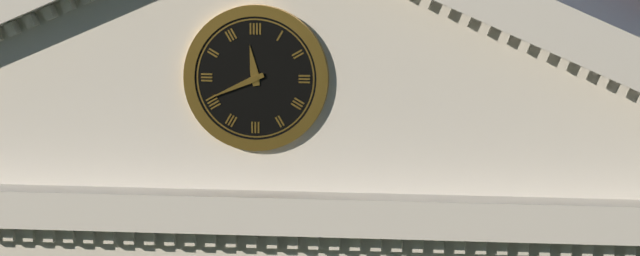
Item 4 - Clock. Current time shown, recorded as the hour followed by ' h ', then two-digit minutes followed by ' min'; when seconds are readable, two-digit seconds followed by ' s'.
11 h 41 min
